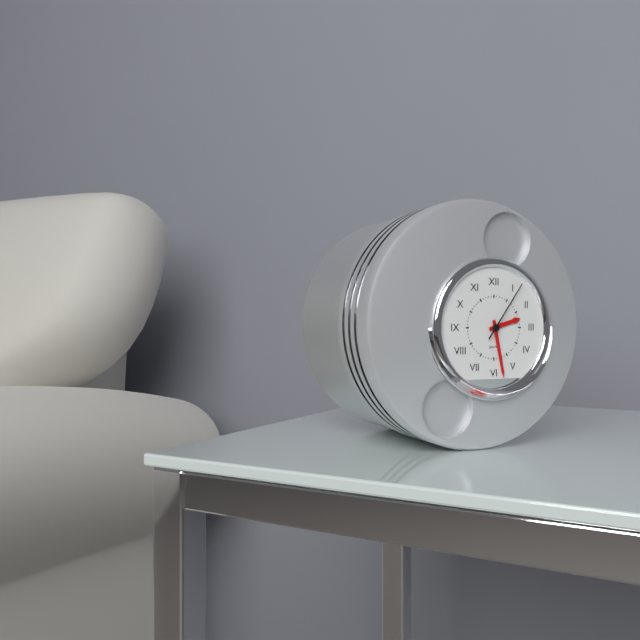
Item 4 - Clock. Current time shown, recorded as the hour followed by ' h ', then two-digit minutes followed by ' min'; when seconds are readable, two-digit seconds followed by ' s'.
2 h 28 min 06 s
